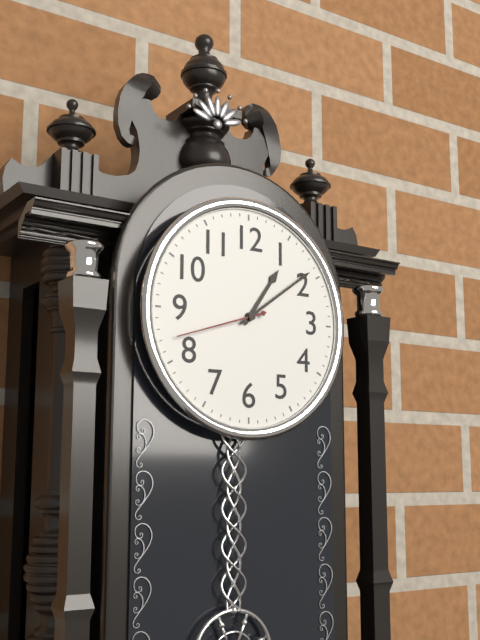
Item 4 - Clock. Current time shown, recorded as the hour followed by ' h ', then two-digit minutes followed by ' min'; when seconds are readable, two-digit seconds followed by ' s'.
1 h 09 min 42 s
